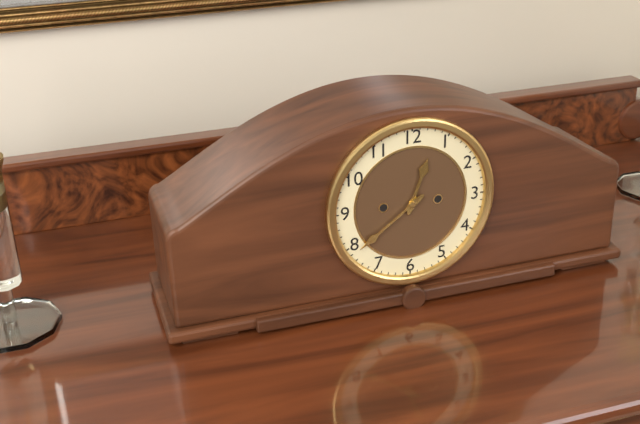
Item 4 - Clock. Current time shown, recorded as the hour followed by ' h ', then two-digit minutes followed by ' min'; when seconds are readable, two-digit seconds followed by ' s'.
12 h 39 min
